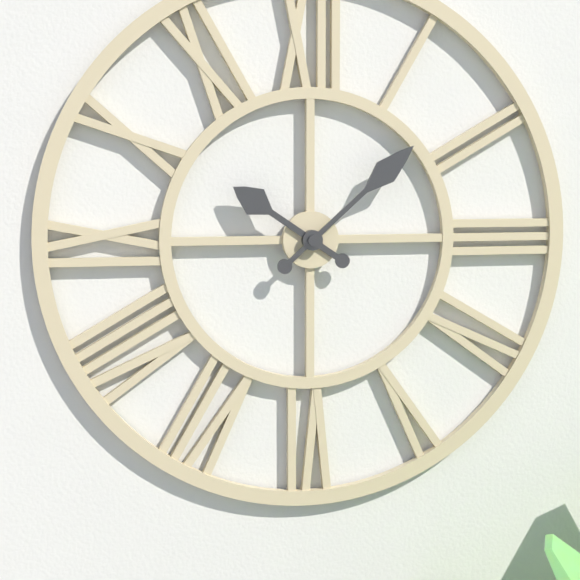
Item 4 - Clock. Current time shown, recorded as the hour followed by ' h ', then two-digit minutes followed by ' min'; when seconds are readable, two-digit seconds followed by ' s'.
10 h 08 min
